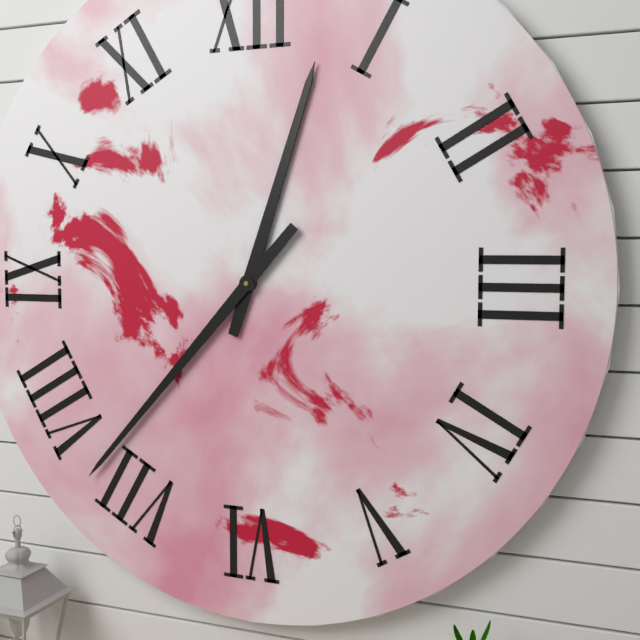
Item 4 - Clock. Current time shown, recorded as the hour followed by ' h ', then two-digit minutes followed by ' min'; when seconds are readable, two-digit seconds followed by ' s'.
12 h 37 min
